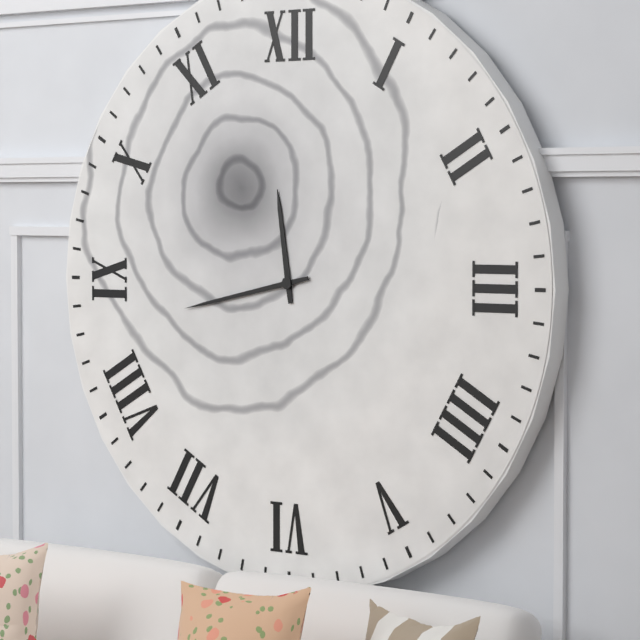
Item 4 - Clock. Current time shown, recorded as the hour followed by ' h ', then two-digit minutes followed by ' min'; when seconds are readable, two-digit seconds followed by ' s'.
11 h 43 min
